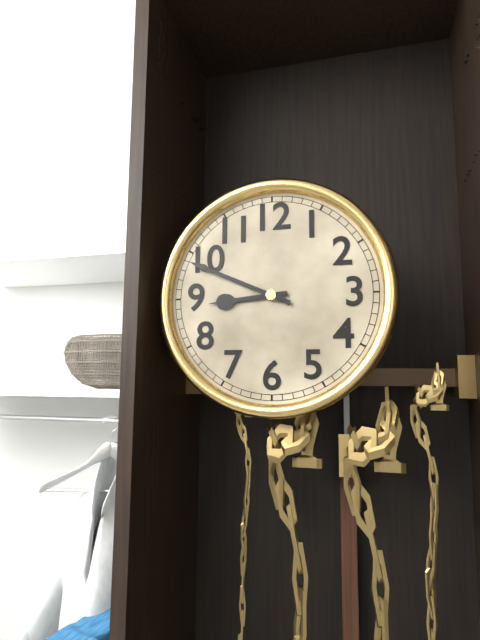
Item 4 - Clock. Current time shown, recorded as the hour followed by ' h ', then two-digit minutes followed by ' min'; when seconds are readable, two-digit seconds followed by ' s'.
8 h 49 min
